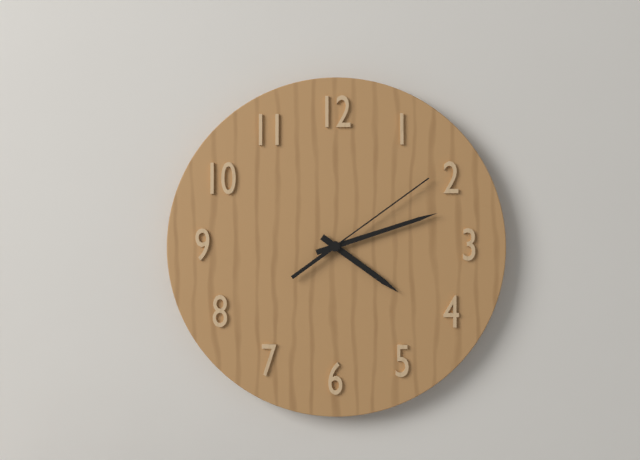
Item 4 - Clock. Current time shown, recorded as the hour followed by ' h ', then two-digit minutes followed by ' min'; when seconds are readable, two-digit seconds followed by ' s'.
4 h 12 min 09 s
